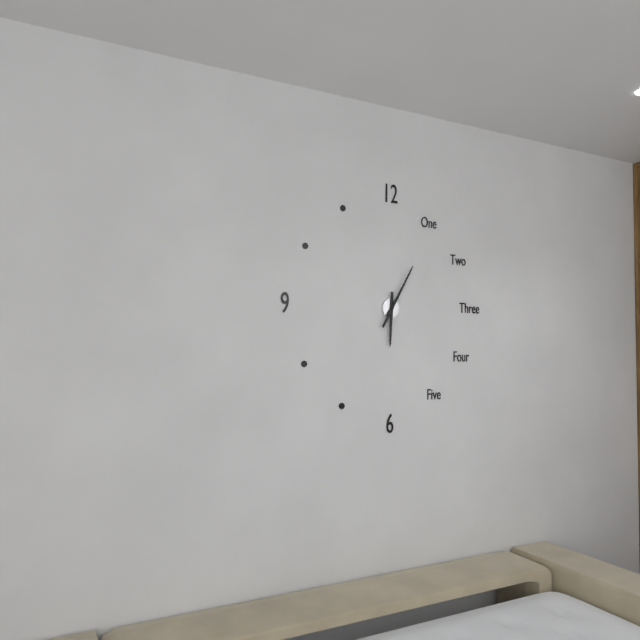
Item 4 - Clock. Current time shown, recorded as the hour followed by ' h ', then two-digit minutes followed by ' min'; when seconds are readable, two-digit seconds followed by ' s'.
6 h 05 min
